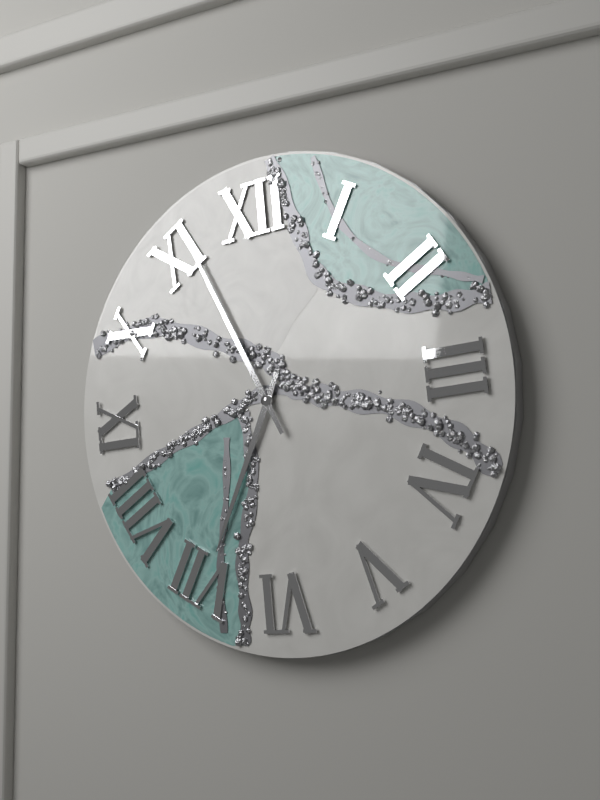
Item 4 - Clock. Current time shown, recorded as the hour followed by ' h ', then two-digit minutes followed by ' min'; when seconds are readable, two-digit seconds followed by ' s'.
6 h 56 min
